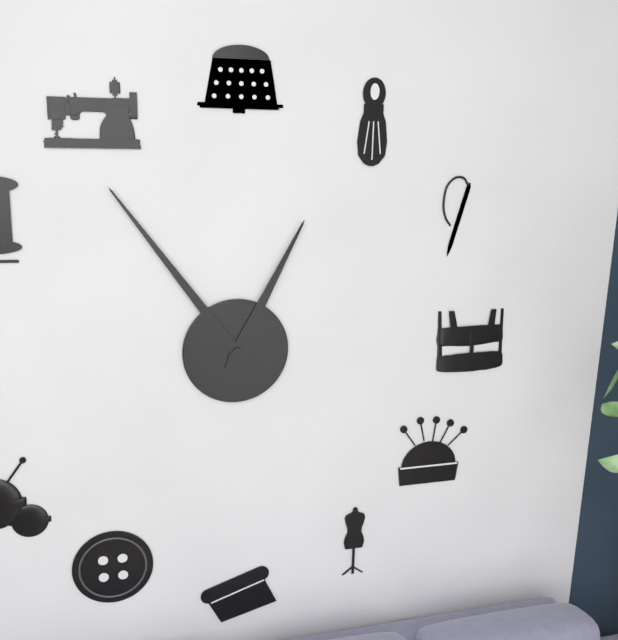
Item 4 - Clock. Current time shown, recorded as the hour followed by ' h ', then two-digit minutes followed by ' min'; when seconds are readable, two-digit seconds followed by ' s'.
12 h 54 min
